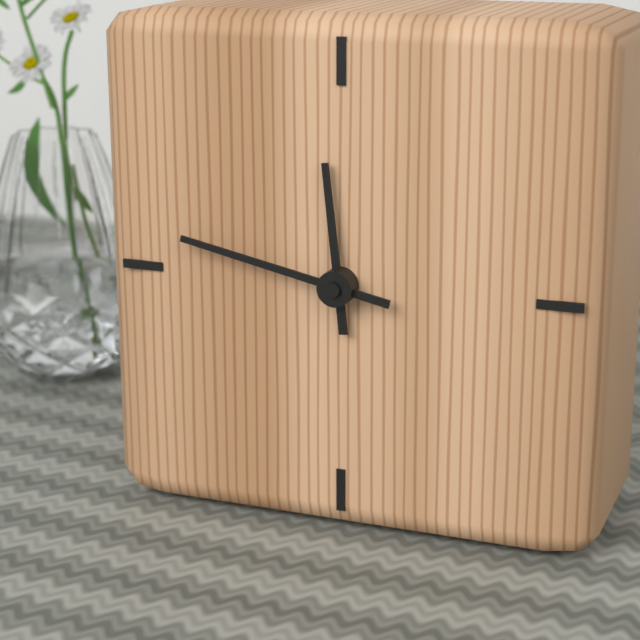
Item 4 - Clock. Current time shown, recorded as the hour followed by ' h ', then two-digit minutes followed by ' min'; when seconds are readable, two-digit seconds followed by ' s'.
11 h 47 min
